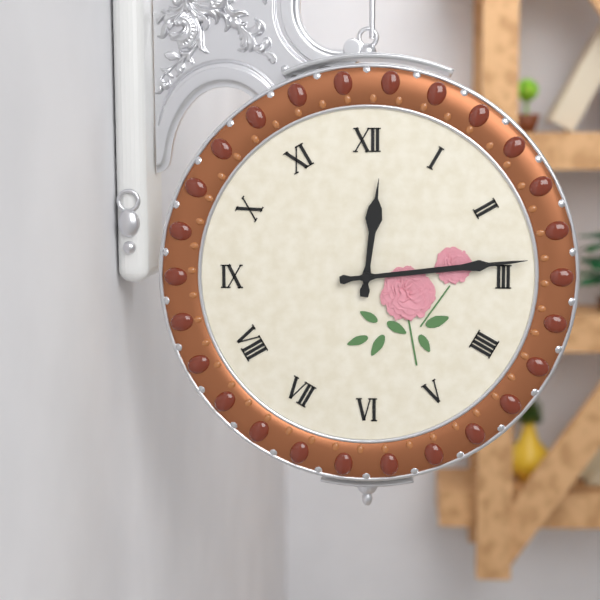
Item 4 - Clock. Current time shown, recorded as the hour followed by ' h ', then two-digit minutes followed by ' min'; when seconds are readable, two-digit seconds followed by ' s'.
12 h 14 min
